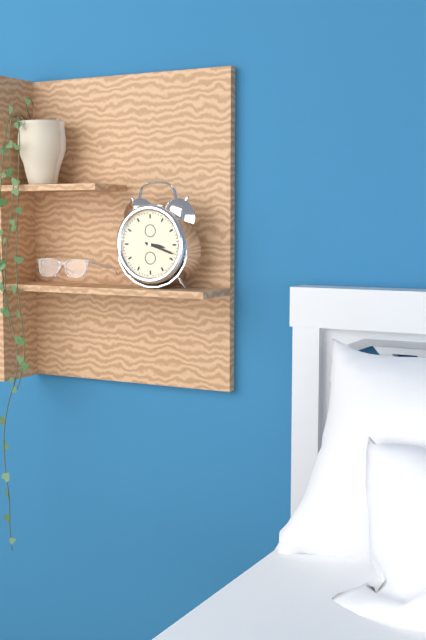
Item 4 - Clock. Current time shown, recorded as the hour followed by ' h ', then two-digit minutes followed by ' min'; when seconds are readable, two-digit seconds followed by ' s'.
3 h 18 min
